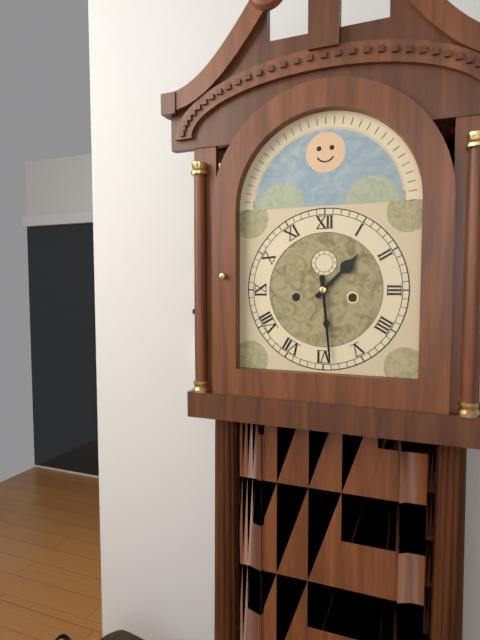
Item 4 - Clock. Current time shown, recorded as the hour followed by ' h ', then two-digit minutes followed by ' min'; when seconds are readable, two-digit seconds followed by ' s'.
1 h 29 min
